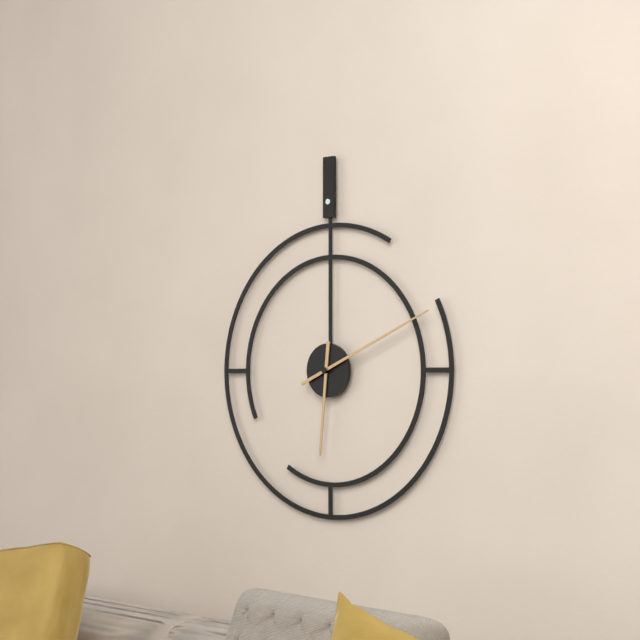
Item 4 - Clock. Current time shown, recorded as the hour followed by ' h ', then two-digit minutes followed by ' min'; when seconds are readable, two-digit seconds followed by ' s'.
6 h 11 min
